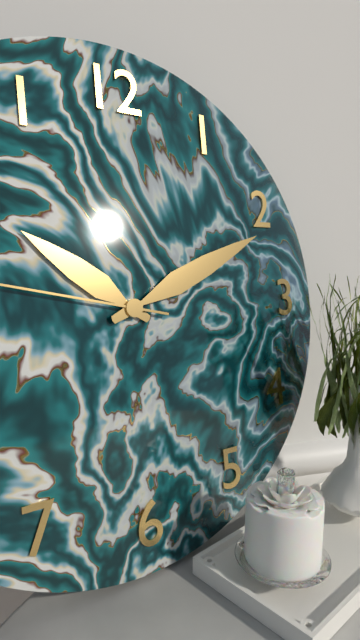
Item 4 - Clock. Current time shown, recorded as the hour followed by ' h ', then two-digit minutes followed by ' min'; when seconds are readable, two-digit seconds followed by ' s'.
10 h 11 min
